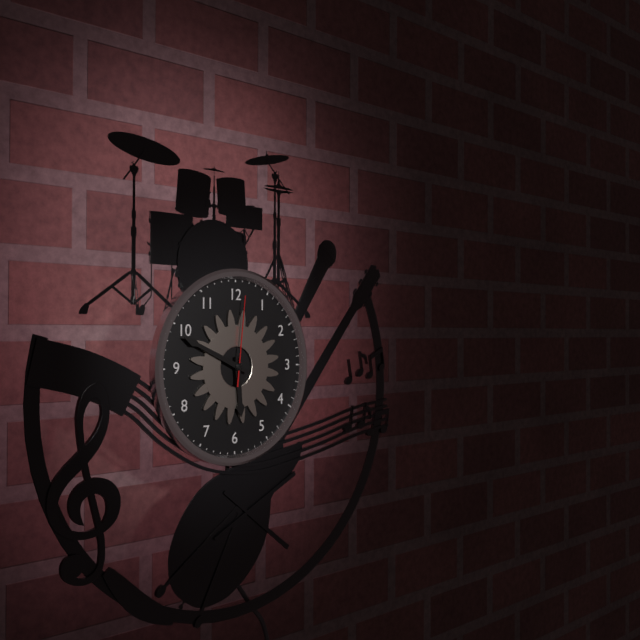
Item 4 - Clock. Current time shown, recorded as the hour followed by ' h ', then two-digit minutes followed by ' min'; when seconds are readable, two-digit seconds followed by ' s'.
5 h 49 min 01 s
